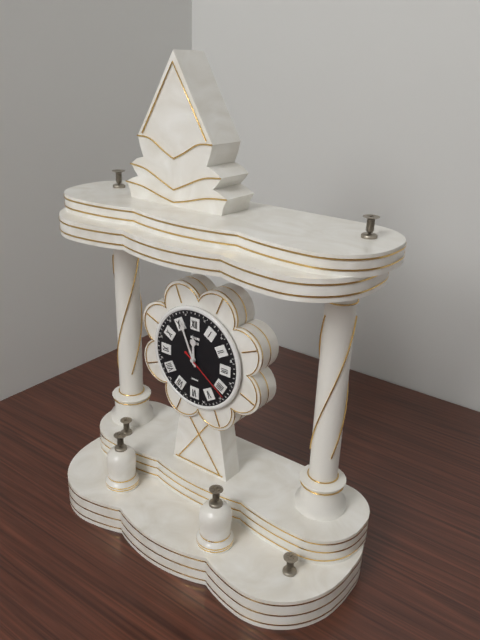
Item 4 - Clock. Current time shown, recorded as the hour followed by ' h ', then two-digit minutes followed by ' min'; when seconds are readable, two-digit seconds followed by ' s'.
11 h 56 min 21 s
